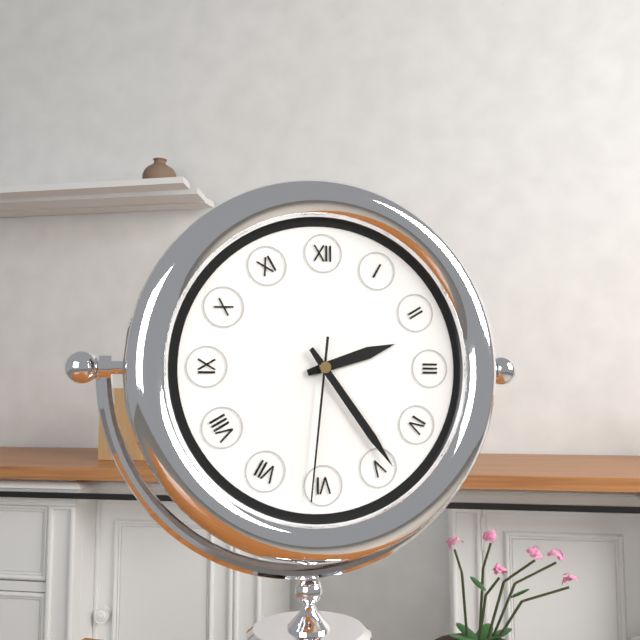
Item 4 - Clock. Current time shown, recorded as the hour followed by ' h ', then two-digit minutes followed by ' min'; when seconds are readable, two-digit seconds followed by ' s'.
2 h 24 min 31 s
